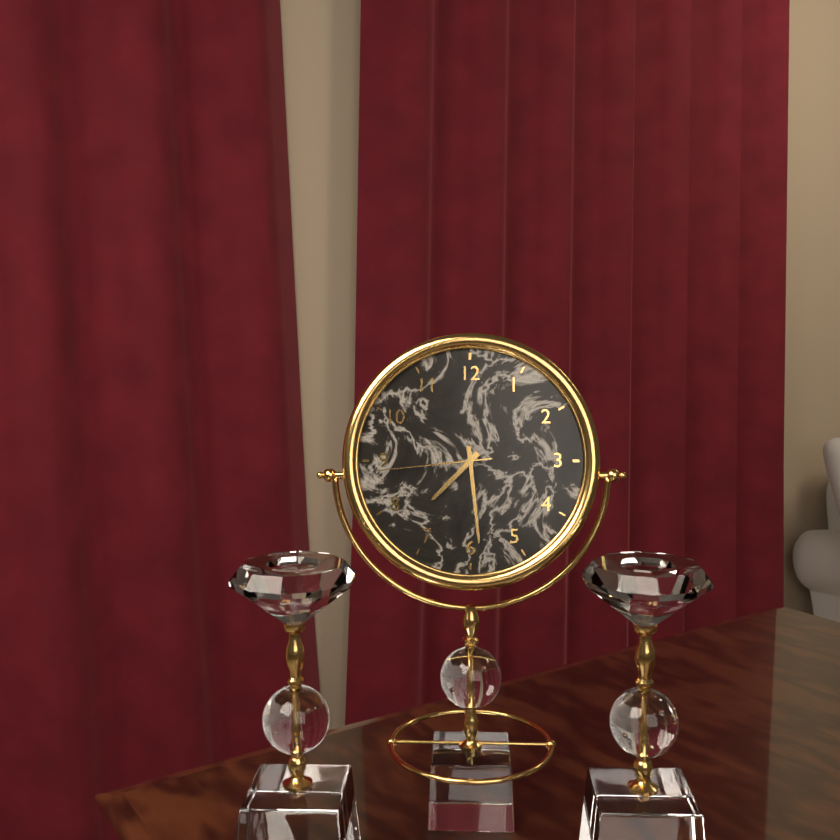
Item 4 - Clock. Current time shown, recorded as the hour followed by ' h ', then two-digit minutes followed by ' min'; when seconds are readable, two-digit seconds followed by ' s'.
7 h 29 min 44 s
